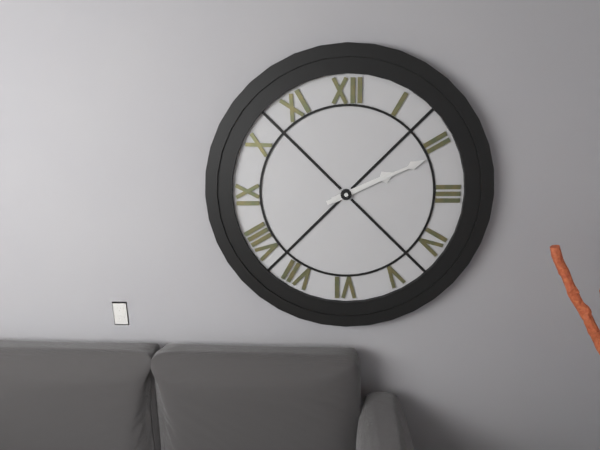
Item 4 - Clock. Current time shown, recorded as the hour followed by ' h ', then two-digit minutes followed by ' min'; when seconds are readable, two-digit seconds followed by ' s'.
2 h 11 min
